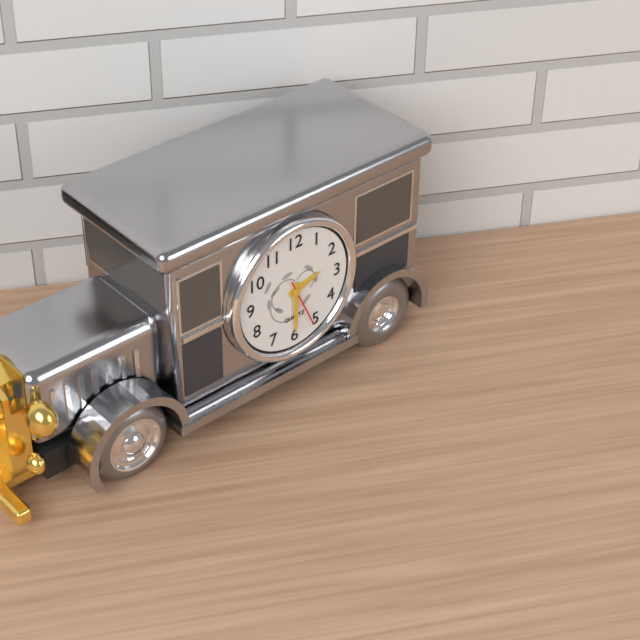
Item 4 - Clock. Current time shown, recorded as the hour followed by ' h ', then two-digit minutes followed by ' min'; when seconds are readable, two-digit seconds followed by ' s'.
2 h 30 min 26 s
